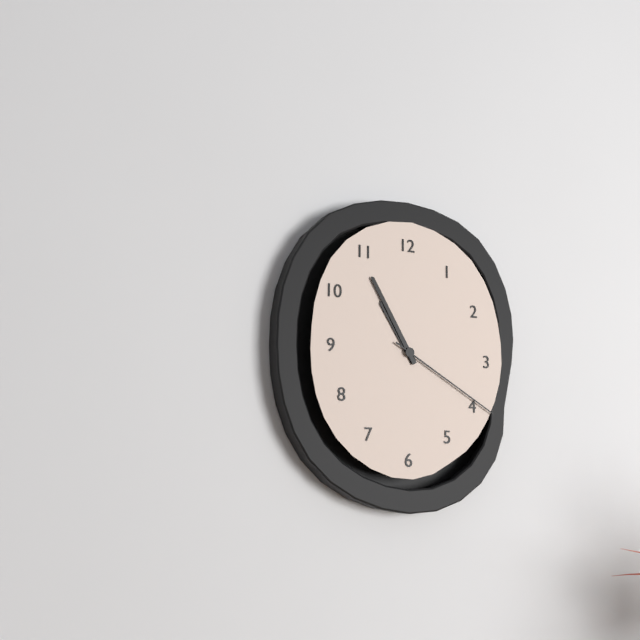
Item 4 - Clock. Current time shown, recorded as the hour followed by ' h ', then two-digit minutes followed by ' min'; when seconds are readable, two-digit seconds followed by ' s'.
10 h 55 min 20 s
